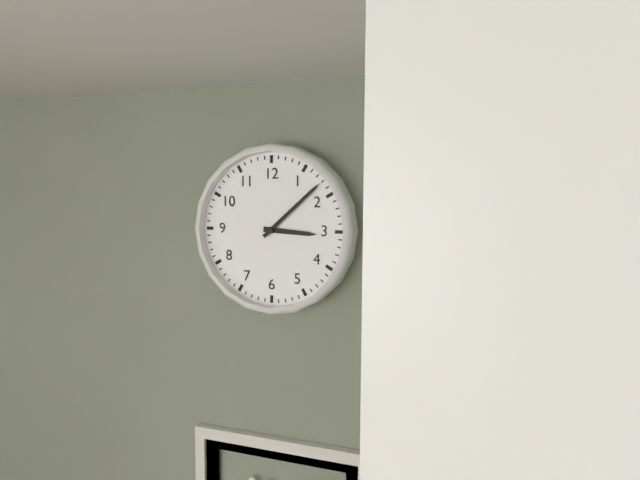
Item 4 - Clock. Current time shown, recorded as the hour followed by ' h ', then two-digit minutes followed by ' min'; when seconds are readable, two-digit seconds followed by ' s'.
3 h 08 min
